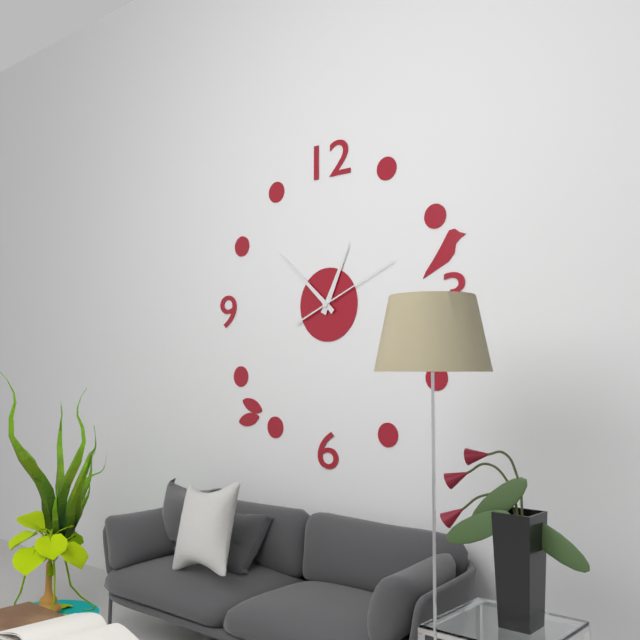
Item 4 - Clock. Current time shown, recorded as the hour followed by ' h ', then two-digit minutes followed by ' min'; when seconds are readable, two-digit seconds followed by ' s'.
12 h 52 min 11 s
